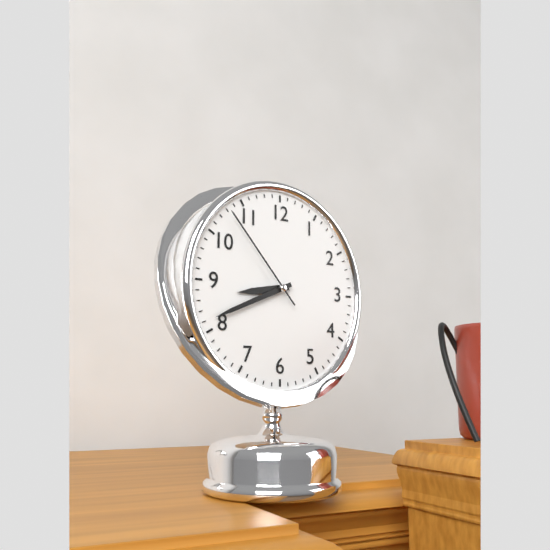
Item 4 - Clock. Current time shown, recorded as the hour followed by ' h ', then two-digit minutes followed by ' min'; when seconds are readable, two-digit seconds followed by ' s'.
8 h 41 min 53 s
